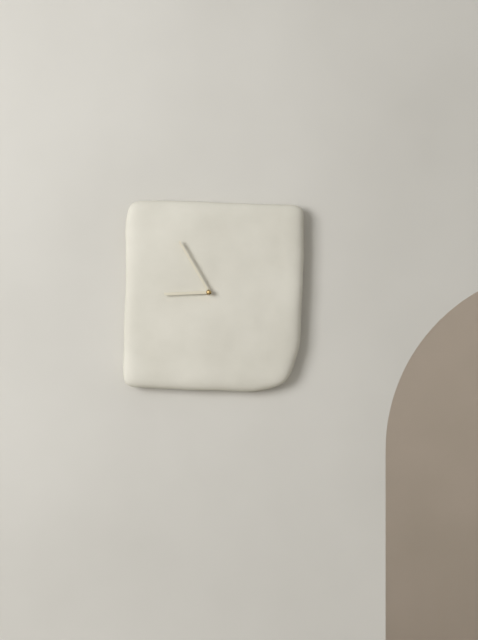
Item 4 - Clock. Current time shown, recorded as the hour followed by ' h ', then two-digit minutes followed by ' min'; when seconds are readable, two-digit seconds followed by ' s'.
8 h 55 min
